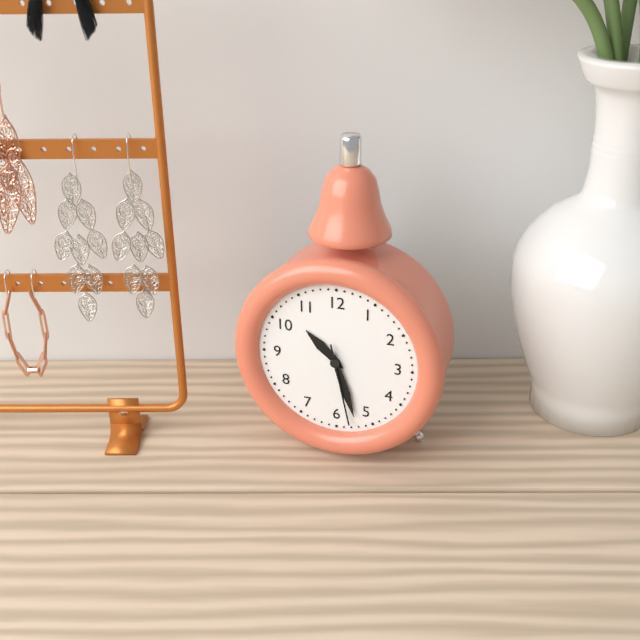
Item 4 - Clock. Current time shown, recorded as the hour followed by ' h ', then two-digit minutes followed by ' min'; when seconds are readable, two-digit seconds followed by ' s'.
10 h 27 min 28 s
